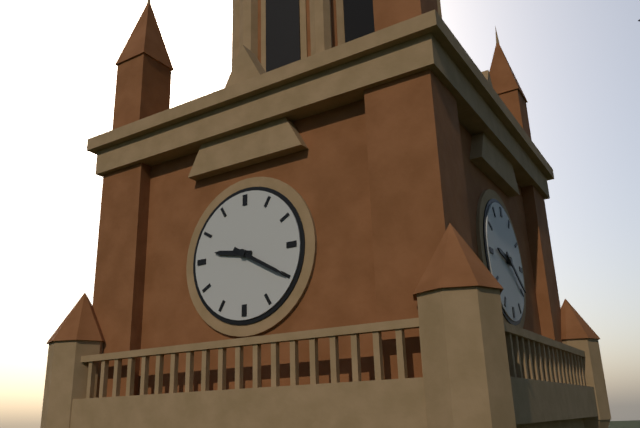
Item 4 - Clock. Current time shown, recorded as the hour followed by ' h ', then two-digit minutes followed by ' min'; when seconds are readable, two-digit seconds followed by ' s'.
9 h 20 min
